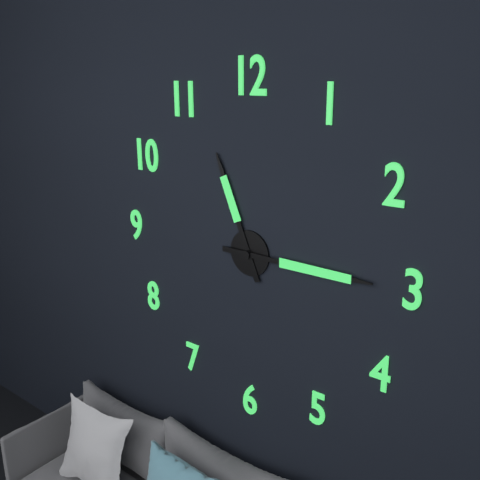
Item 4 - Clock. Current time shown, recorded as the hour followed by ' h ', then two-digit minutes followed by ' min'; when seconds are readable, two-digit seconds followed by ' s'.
11 h 15 min
